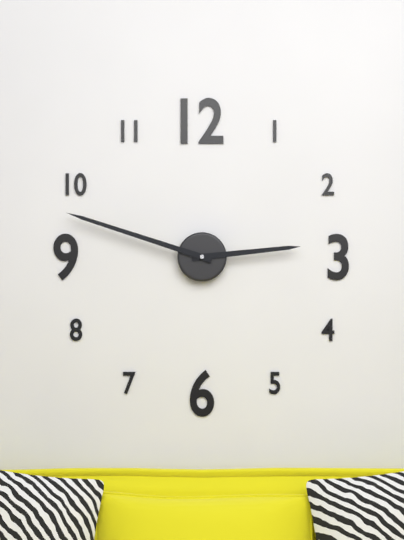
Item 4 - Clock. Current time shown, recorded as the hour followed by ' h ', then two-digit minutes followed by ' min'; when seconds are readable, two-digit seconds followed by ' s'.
2 h 48 min
